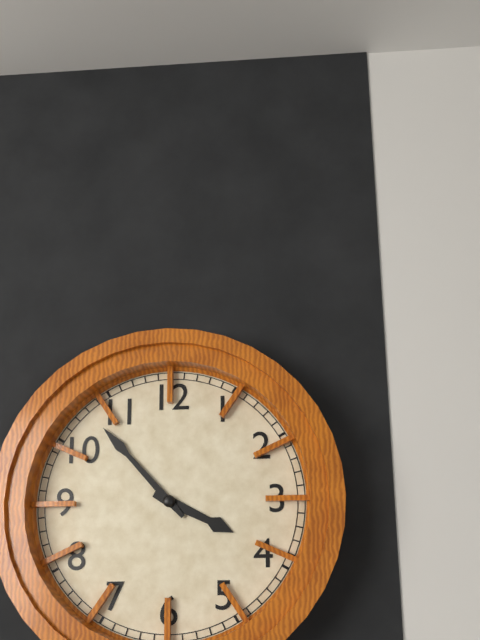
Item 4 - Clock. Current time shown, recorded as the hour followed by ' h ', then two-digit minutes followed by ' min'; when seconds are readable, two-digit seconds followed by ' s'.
3 h 53 min
